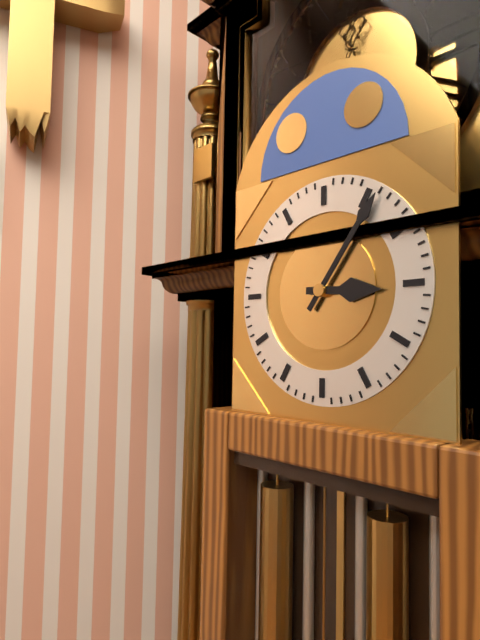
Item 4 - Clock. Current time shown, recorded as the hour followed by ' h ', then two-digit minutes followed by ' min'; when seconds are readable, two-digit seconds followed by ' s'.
3 h 06 min
